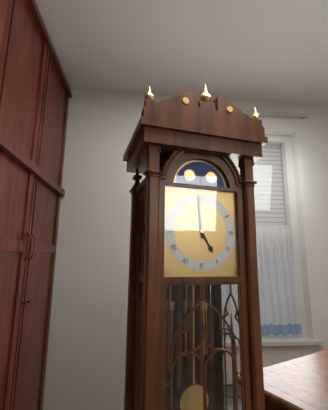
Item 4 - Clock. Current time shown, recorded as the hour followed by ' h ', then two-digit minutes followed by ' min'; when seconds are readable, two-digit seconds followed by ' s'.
4 h 59 min
